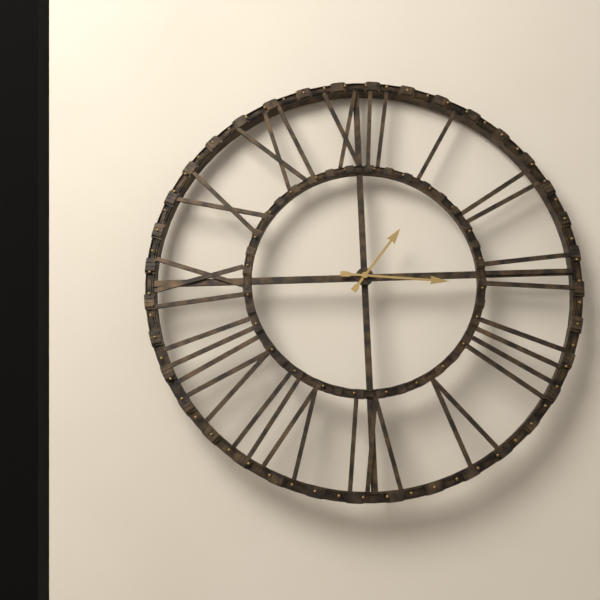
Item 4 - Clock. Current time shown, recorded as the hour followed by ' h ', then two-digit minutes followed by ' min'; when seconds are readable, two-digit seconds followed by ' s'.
1 h 16 min
